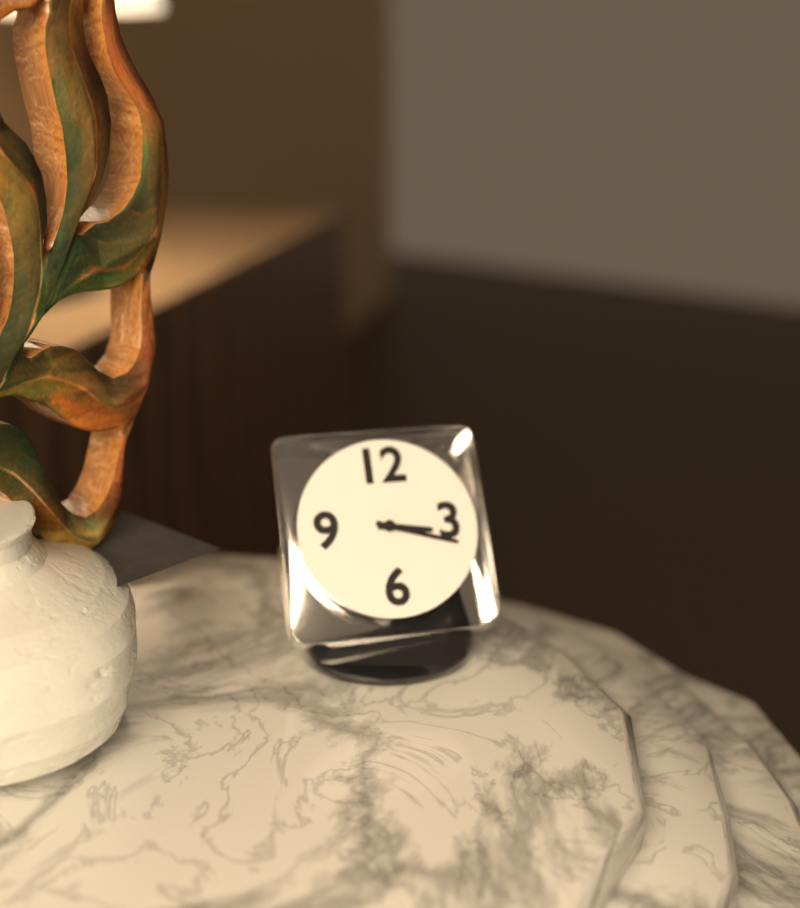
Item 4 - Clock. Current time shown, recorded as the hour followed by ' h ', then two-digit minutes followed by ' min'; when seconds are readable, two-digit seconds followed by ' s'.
3 h 18 min
